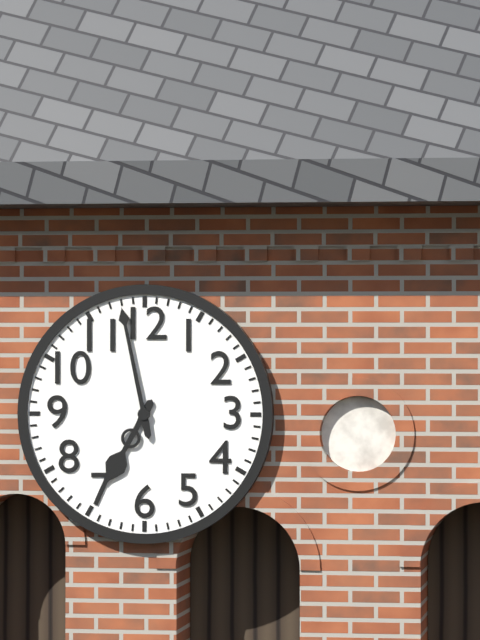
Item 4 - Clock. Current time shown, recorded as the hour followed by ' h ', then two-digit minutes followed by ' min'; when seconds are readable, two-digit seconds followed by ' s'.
6 h 58 min
